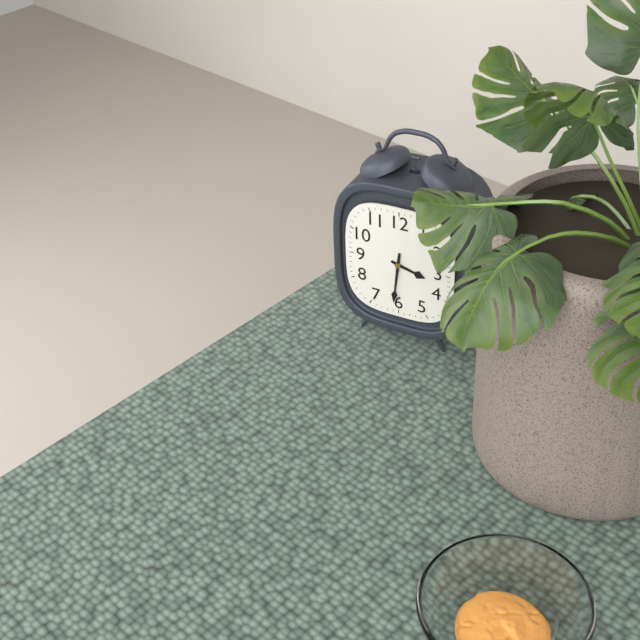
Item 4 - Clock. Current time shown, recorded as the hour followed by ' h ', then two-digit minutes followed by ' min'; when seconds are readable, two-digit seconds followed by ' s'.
3 h 31 min
